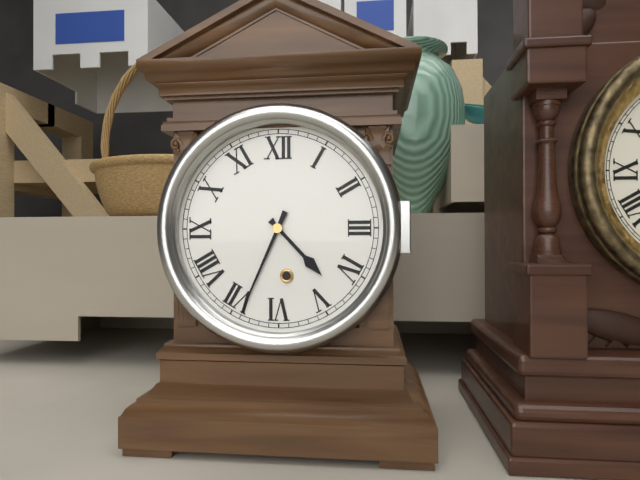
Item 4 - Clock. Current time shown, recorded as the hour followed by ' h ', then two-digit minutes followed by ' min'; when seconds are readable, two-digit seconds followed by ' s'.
4 h 34 min
